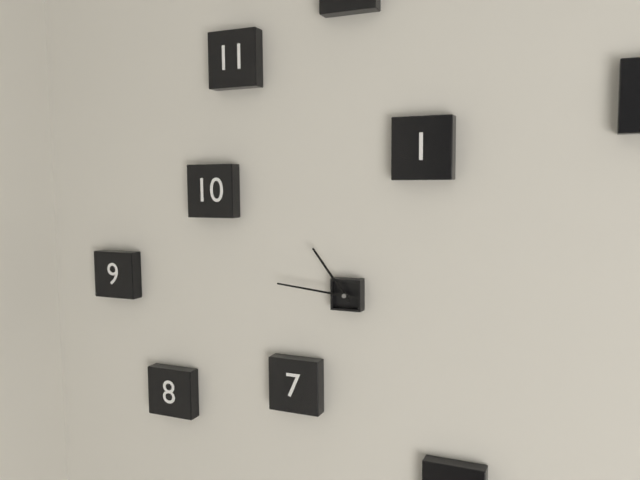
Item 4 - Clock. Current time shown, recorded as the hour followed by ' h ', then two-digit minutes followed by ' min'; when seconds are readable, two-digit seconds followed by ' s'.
10 h 46 min
